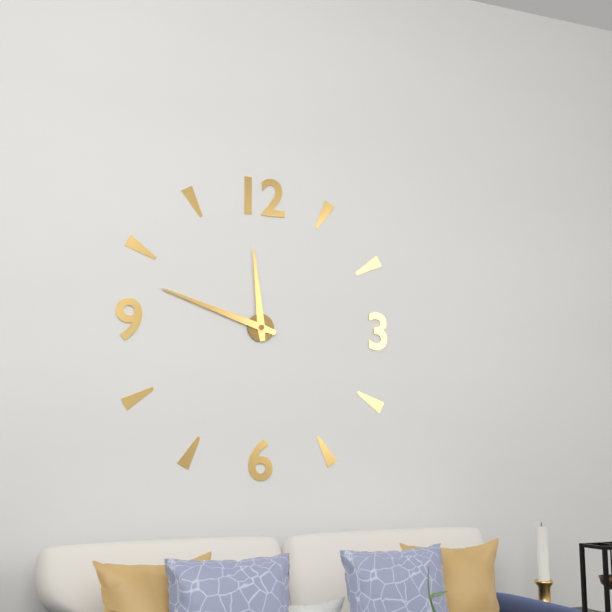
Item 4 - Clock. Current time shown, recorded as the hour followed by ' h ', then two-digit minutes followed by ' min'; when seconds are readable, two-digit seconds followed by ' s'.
11 h 48 min
